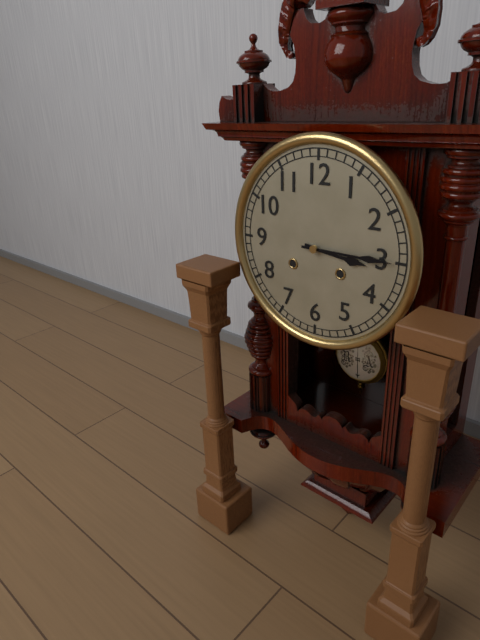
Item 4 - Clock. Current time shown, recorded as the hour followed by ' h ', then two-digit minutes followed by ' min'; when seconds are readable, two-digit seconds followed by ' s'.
3 h 15 min
